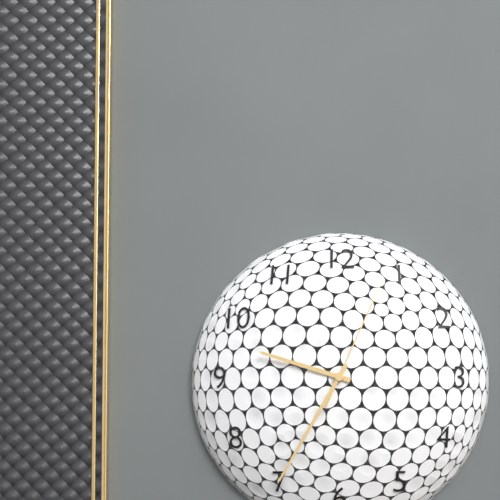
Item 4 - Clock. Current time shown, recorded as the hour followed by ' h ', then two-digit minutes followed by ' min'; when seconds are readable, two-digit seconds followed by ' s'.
9 h 35 min 04 s
